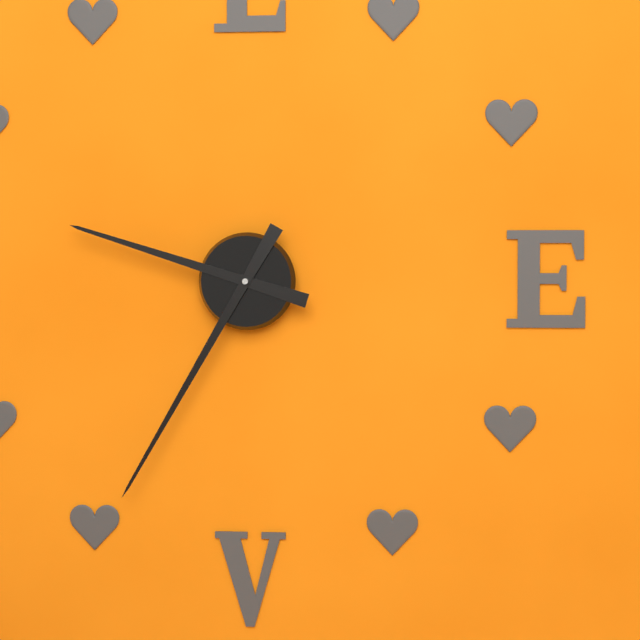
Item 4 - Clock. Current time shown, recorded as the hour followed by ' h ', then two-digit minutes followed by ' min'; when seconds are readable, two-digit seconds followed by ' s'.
9 h 35 min
